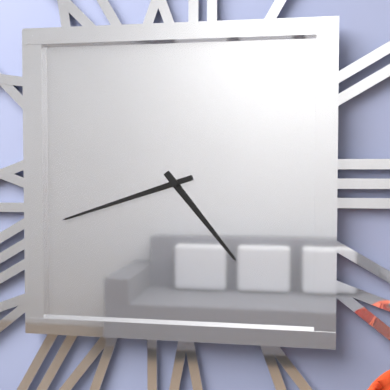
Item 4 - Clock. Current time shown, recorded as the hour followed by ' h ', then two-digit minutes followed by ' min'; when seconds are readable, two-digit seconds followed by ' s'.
4 h 42 min
